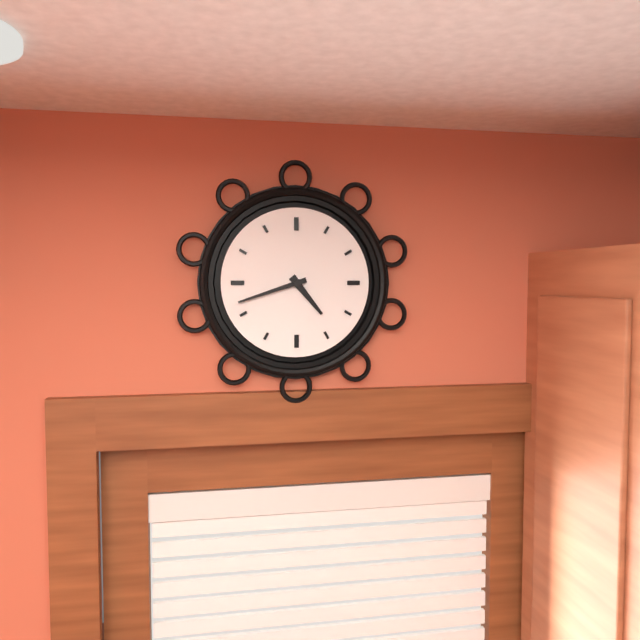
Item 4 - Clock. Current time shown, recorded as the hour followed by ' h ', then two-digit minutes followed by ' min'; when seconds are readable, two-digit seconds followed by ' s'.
4 h 42 min
